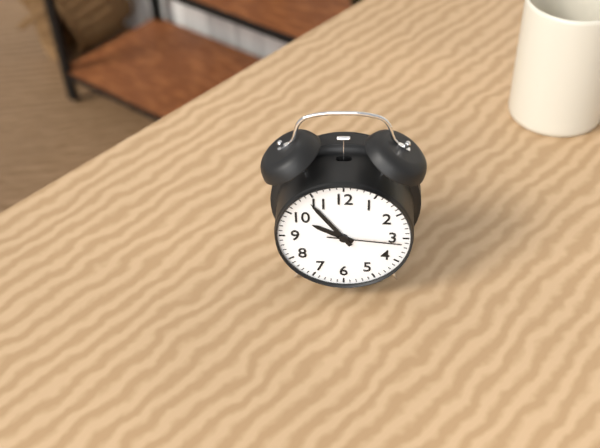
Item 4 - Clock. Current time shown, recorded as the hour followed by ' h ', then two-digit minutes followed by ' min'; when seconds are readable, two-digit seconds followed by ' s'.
9 h 54 min 16 s
